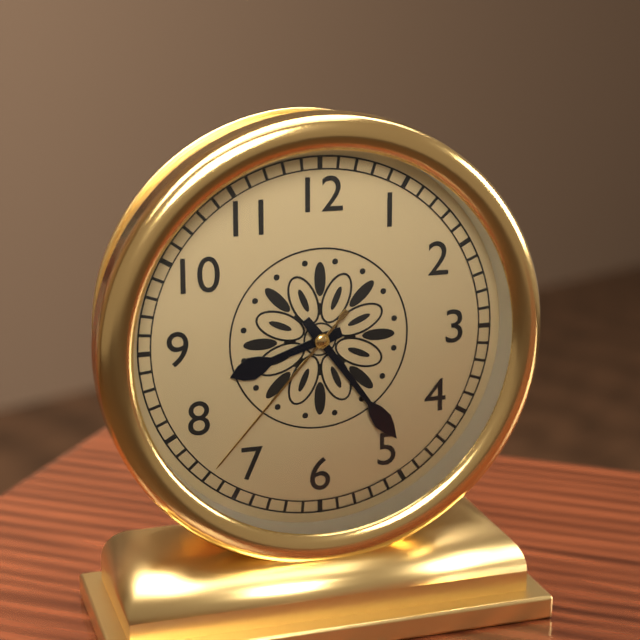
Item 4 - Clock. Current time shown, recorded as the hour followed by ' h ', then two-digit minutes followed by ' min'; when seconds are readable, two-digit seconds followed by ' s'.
8 h 24 min 37 s
